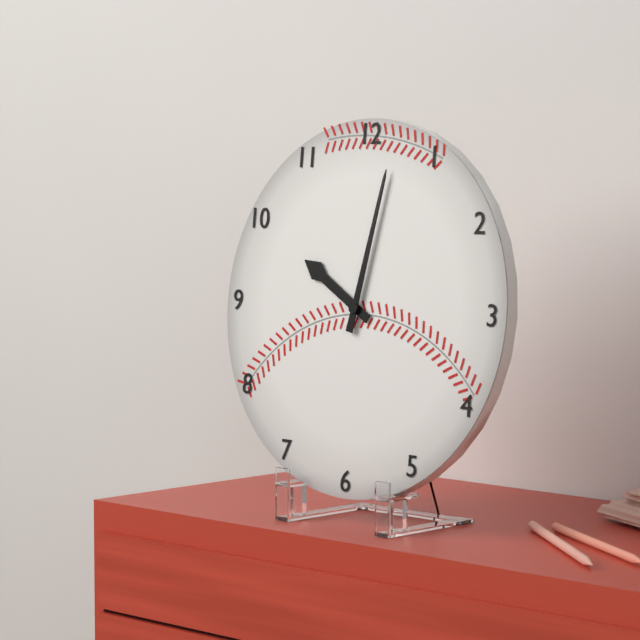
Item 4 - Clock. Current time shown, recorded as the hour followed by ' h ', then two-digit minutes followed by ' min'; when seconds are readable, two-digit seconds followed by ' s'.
10 h 02 min
